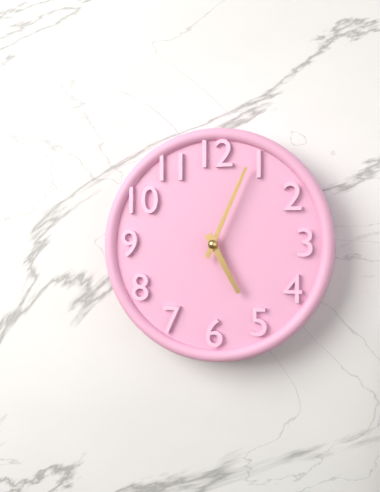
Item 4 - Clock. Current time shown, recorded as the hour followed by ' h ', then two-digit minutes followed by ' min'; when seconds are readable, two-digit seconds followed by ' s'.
5 h 04 min
